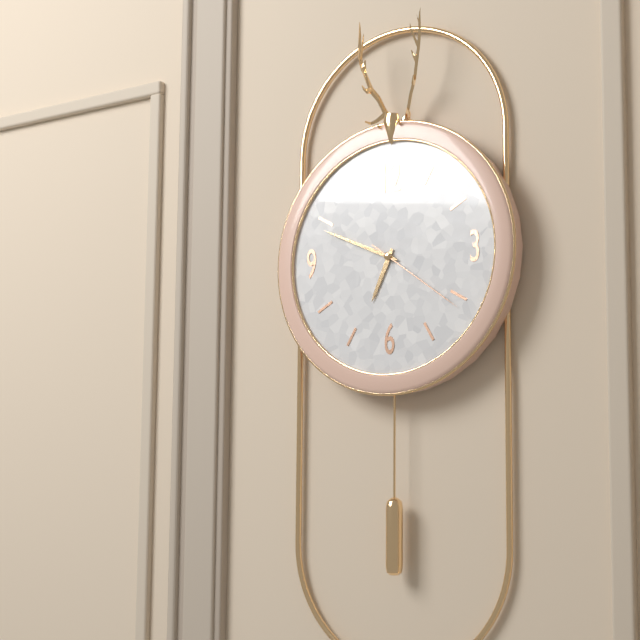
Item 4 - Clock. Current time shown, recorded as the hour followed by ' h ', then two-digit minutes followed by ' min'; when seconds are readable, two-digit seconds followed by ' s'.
6 h 49 min 21 s
